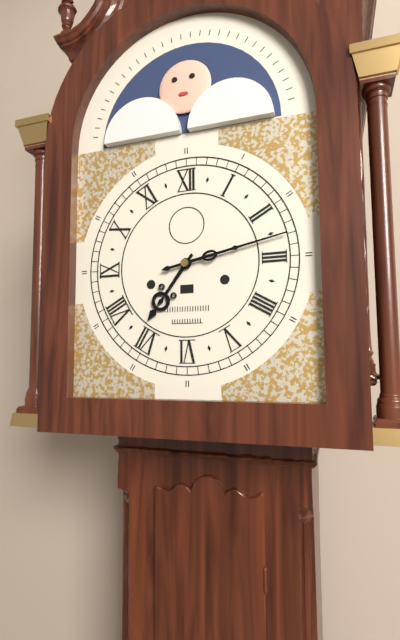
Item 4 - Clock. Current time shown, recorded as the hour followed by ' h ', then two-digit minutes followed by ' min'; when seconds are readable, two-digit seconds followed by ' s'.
7 h 13 min
